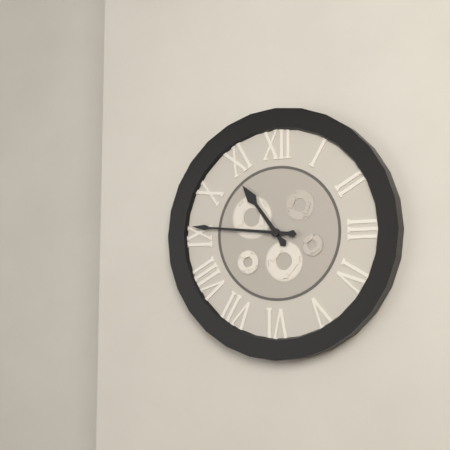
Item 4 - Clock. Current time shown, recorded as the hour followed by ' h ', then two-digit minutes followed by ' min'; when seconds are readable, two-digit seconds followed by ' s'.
10 h 46 min
